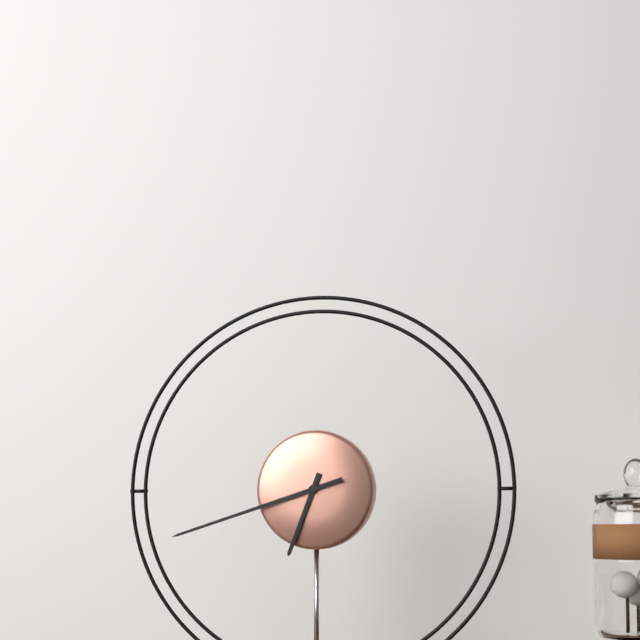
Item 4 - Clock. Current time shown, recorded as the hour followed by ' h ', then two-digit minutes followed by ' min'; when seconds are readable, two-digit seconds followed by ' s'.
6 h 42 min
